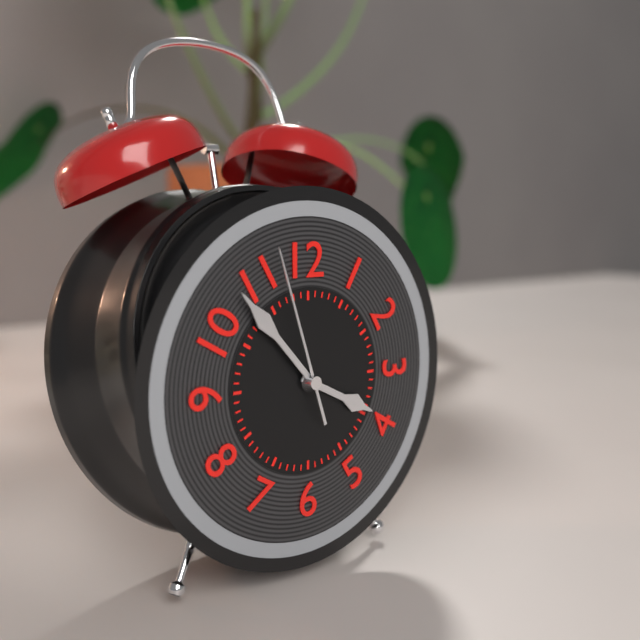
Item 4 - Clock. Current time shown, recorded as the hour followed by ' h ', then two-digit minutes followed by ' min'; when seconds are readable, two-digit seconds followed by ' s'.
3 h 53 min 57 s
